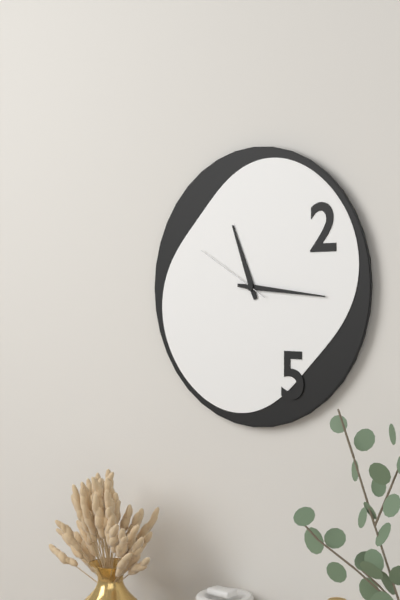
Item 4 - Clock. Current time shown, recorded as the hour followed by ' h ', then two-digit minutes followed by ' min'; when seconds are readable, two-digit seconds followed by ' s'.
11 h 16 min 50 s
